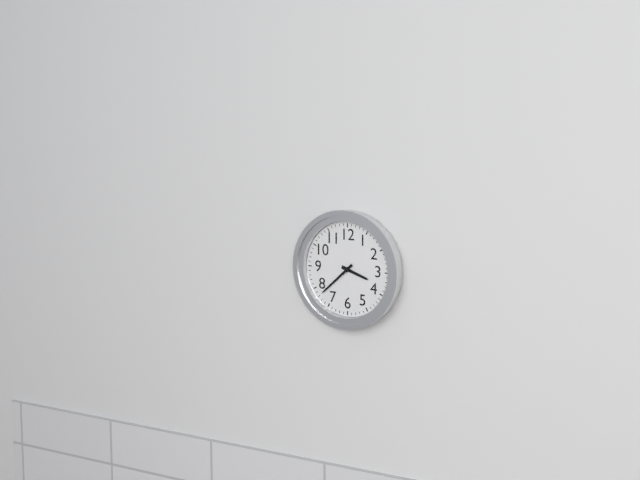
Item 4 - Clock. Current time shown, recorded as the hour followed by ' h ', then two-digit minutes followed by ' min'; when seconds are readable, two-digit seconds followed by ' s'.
3 h 38 min
